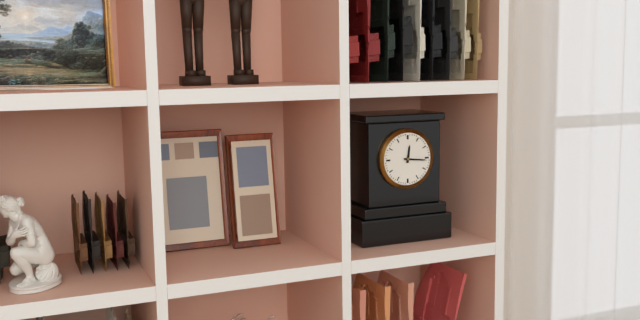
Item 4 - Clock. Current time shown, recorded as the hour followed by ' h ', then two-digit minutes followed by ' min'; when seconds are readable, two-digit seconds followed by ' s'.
12 h 16 min
